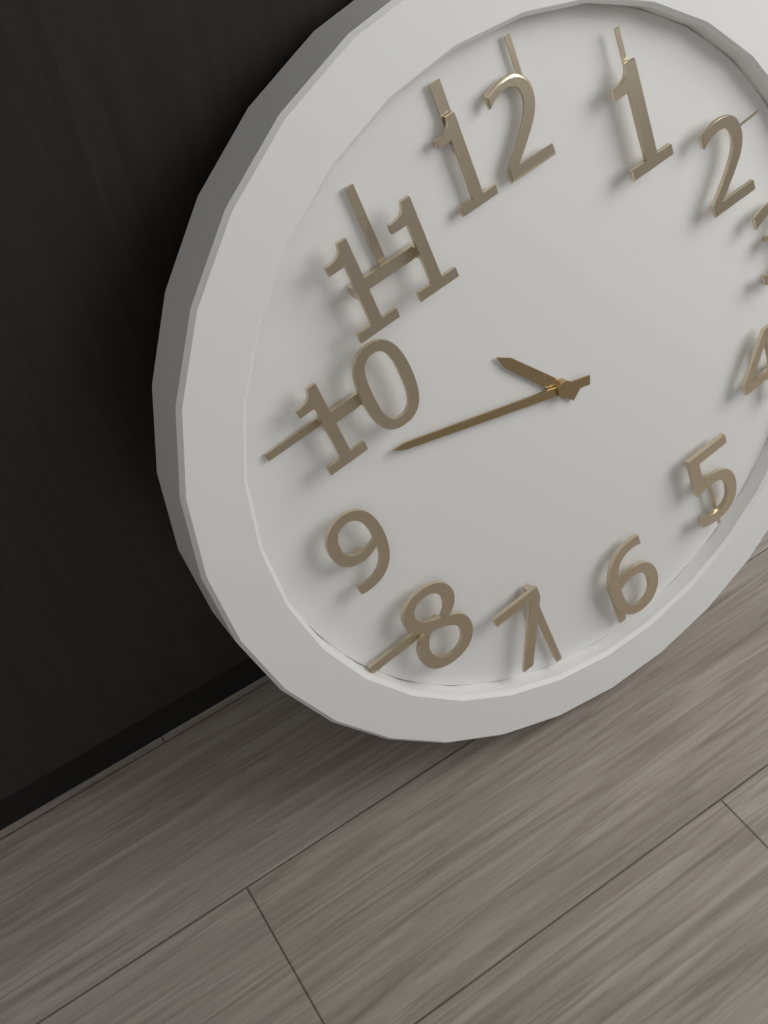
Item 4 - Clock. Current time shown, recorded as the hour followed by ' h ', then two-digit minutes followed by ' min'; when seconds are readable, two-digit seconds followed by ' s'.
10 h 48 min
